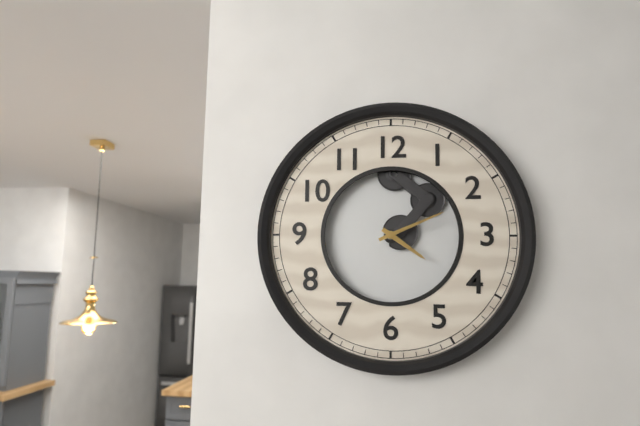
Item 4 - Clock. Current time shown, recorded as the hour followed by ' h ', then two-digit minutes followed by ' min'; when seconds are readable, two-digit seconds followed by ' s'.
4 h 11 min
